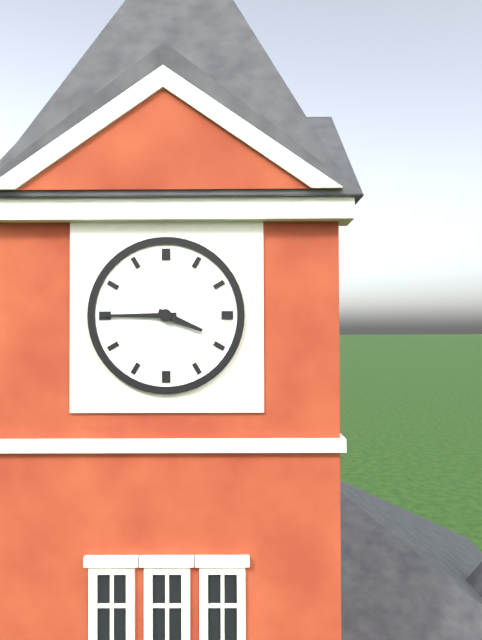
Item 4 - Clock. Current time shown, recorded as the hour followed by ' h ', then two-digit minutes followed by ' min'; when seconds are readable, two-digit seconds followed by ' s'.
3 h 45 min
